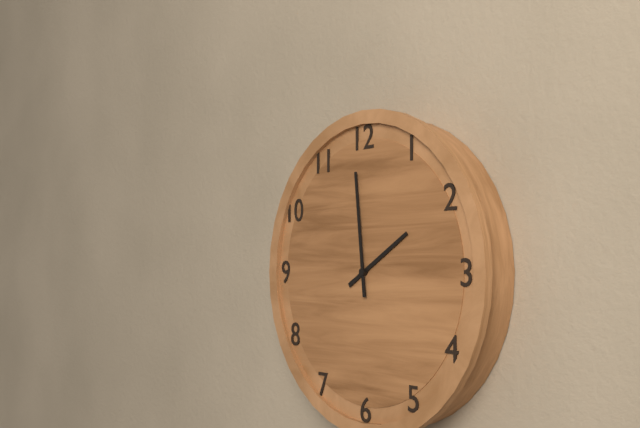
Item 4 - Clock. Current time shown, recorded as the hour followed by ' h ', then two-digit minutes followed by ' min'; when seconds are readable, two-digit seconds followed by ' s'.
1 h 59 min
